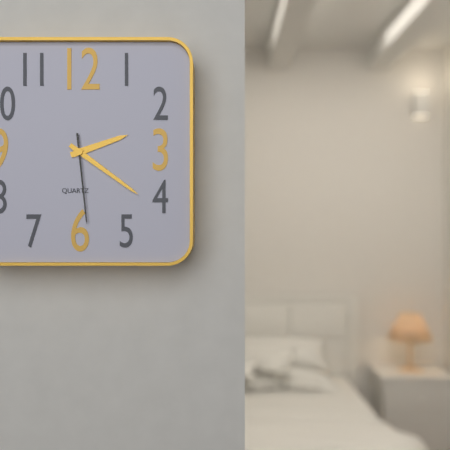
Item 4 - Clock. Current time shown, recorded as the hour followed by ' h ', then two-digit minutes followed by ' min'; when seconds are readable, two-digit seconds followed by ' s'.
2 h 21 min 29 s
